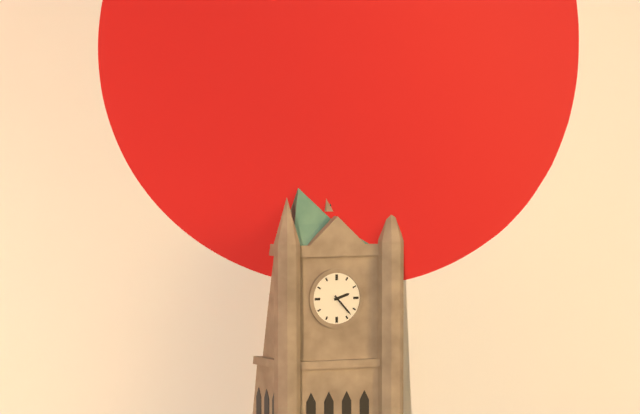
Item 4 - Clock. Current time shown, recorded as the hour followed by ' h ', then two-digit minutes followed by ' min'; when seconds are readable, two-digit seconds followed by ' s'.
2 h 23 min
